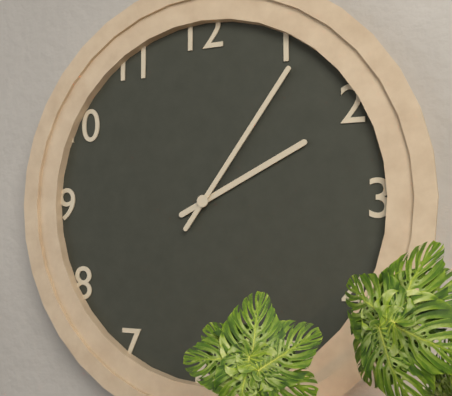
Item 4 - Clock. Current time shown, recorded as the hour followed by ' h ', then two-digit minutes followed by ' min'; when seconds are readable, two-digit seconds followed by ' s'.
2 h 06 min
